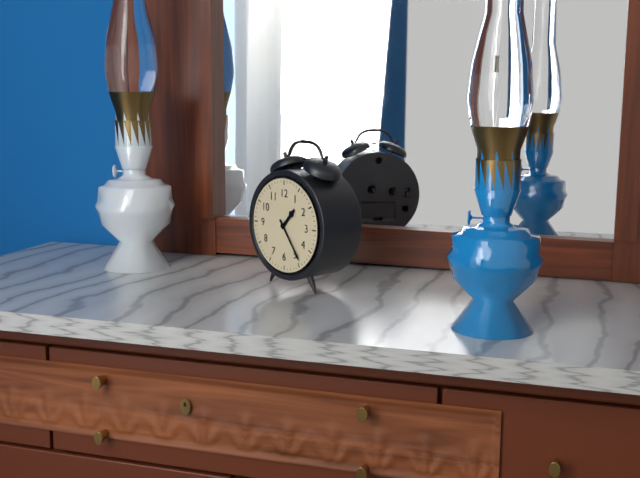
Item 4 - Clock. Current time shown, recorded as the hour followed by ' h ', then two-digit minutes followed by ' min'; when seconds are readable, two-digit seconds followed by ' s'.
1 h 24 min
